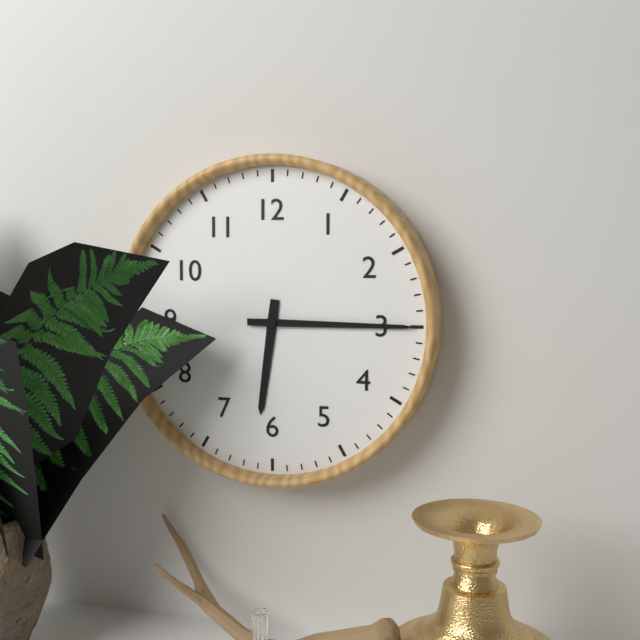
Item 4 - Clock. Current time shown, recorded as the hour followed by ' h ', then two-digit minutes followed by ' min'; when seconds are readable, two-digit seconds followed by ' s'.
6 h 15 min
